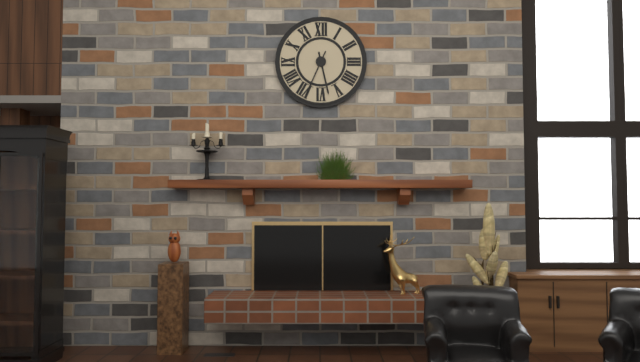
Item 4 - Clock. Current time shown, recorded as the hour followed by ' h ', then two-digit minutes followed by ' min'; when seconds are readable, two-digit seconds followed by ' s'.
5 h 34 min
